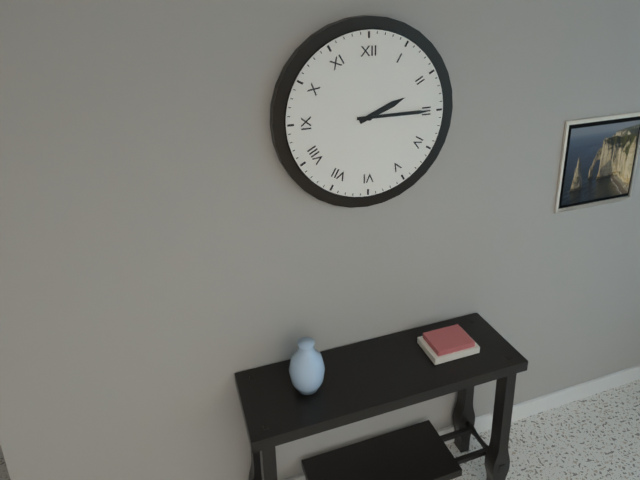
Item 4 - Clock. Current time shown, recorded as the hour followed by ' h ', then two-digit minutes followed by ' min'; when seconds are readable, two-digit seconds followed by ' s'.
2 h 15 min
